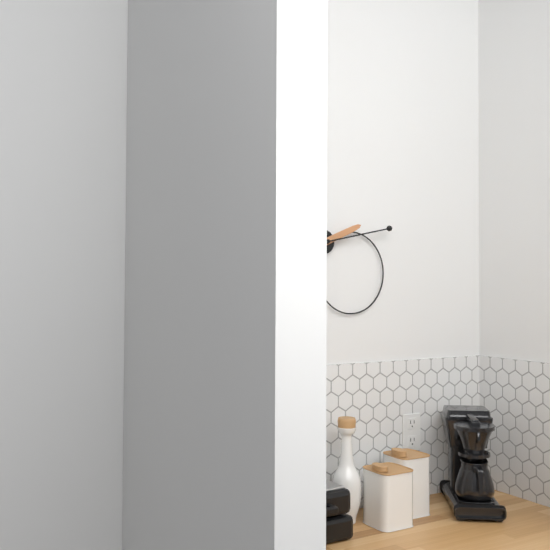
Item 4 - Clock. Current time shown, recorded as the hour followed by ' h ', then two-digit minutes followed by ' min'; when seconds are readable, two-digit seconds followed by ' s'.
2 h 13 min
